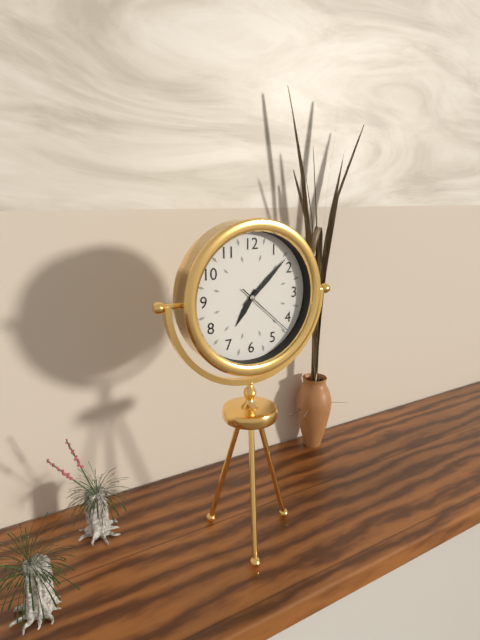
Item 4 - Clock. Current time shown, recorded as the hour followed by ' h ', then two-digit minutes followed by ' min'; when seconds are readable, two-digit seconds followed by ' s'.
7 h 08 min 22 s
